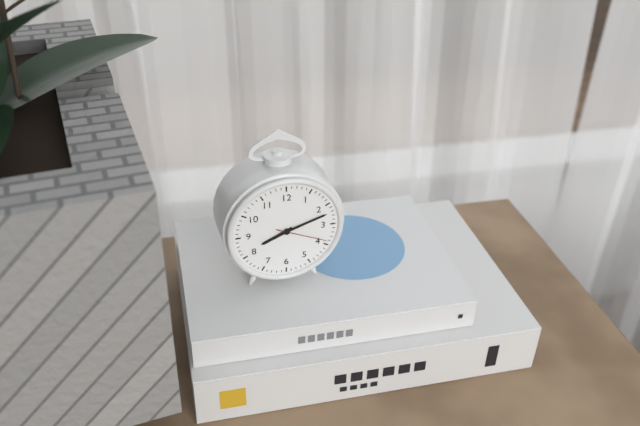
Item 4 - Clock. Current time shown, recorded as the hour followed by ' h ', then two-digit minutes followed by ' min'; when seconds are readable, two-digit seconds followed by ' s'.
8 h 12 min 19 s
